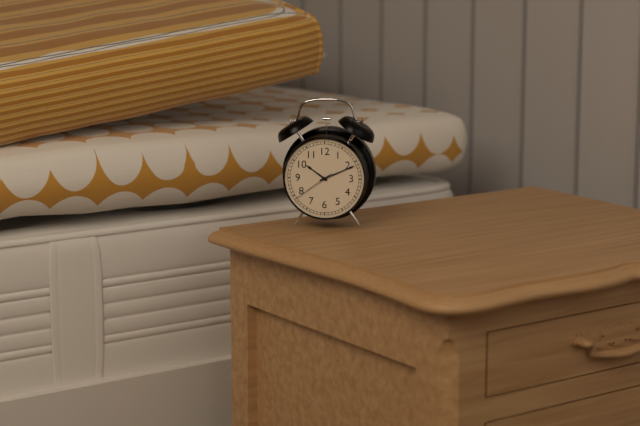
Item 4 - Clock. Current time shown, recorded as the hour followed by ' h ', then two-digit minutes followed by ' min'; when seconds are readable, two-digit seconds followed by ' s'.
10 h 11 min
